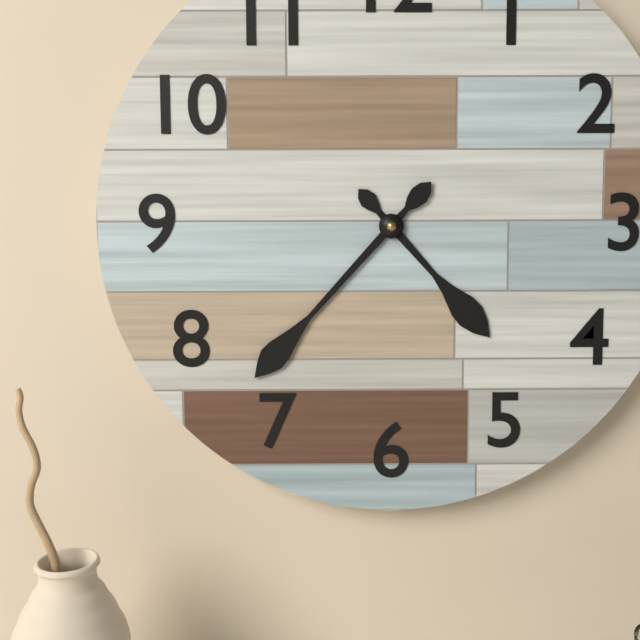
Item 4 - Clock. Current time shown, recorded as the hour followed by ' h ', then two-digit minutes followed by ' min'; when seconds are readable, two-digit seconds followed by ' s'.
4 h 37 min
